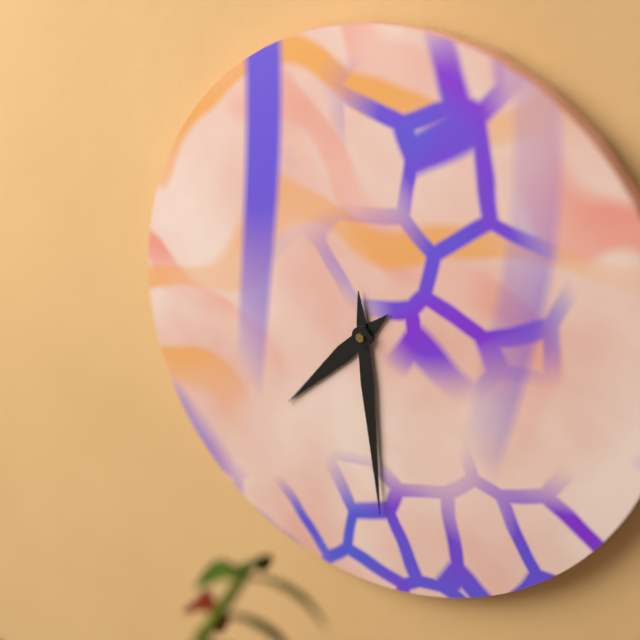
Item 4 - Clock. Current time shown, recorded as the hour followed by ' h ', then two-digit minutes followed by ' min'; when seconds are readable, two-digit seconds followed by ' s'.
7 h 29 min
